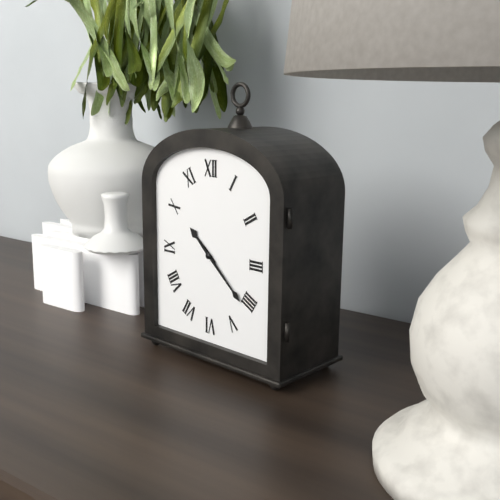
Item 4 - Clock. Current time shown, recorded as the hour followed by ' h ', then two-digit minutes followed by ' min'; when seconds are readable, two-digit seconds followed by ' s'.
10 h 22 min
